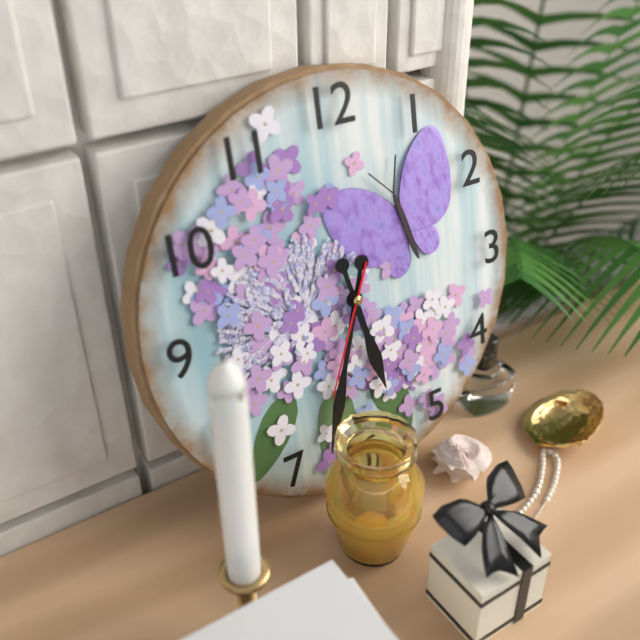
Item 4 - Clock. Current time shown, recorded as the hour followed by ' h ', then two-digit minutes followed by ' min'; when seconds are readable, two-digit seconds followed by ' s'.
5 h 33 min 34 s
